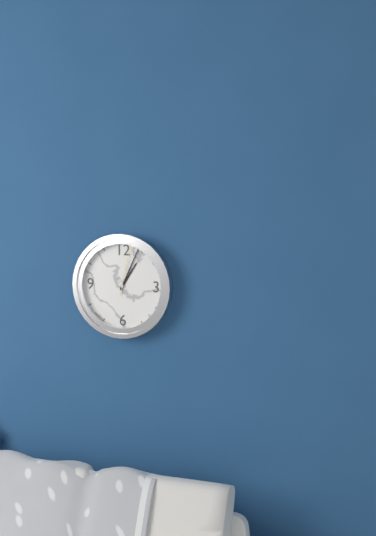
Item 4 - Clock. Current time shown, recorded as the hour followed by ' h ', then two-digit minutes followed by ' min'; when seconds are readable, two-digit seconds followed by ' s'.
1 h 04 min 02 s
